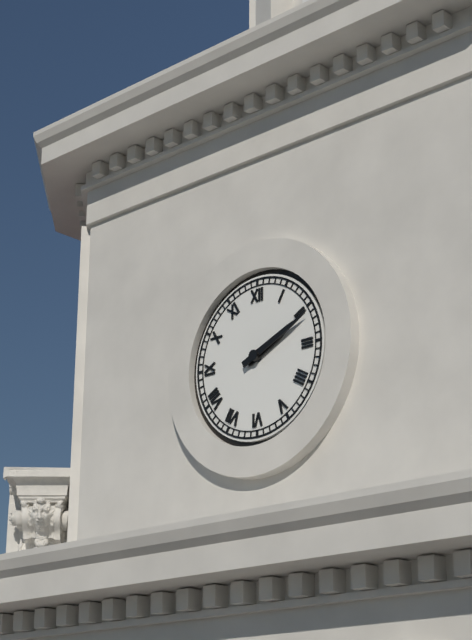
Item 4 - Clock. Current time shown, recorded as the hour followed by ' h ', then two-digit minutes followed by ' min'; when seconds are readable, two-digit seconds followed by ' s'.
2 h 11 min
